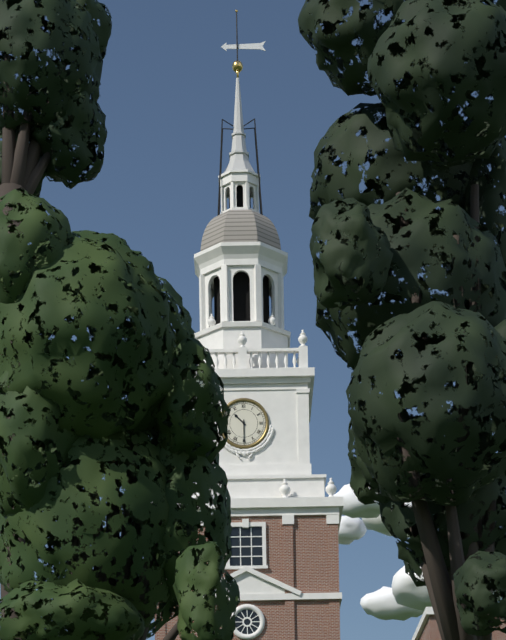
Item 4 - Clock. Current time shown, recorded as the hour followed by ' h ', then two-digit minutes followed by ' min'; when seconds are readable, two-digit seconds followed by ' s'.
10 h 30 min
